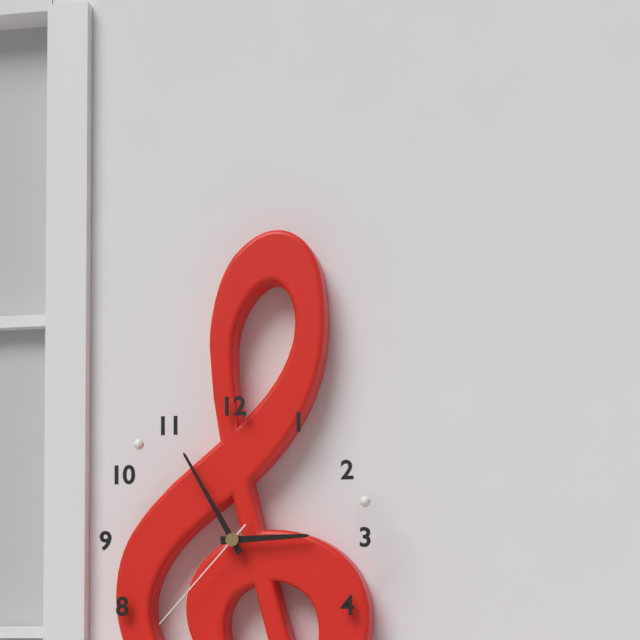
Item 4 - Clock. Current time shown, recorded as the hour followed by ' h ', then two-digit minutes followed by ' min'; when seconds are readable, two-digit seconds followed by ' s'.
2 h 55 min 37 s
